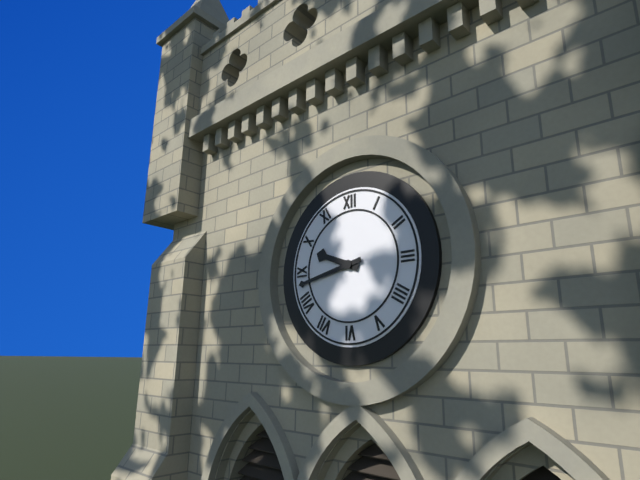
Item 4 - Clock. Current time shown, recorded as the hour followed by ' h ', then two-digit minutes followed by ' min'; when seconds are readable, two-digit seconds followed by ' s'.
9 h 43 min
